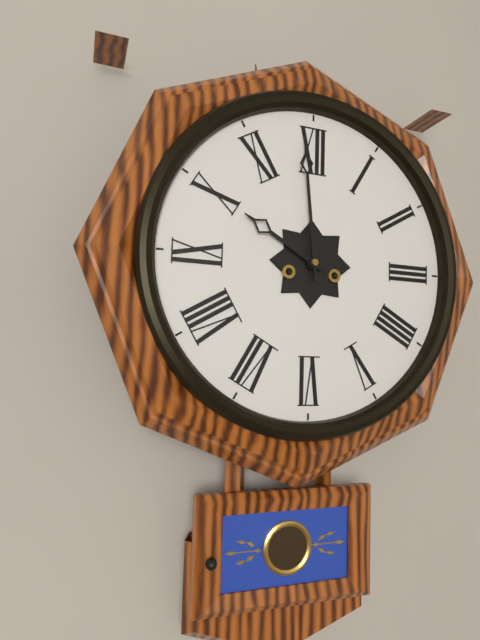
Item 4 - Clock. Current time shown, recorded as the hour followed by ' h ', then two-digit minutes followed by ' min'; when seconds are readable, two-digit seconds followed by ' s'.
9 h 59 min
